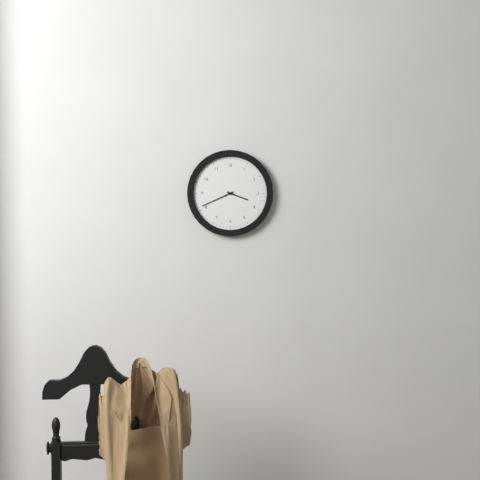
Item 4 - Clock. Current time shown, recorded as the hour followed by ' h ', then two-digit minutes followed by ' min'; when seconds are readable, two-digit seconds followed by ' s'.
3 h 41 min
